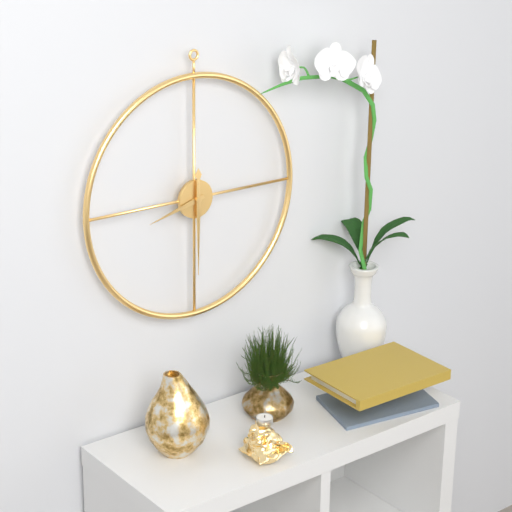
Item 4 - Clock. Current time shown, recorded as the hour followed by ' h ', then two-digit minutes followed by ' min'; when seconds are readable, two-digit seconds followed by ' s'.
8 h 30 min
